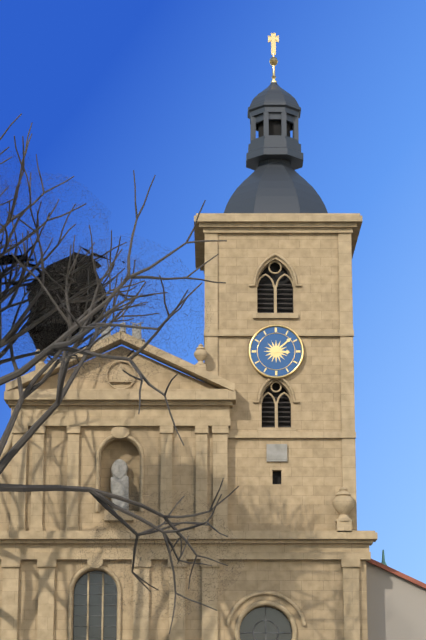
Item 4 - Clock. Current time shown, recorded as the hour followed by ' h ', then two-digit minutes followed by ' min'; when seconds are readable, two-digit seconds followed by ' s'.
3 h 08 min
